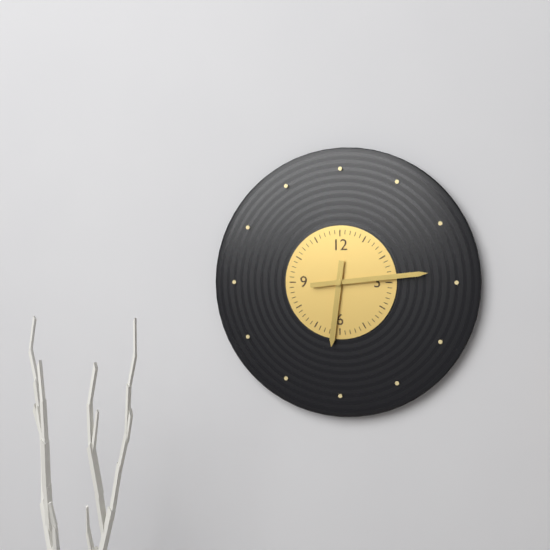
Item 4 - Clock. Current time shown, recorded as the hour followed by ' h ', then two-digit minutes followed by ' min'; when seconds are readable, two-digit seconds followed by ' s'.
6 h 14 min
